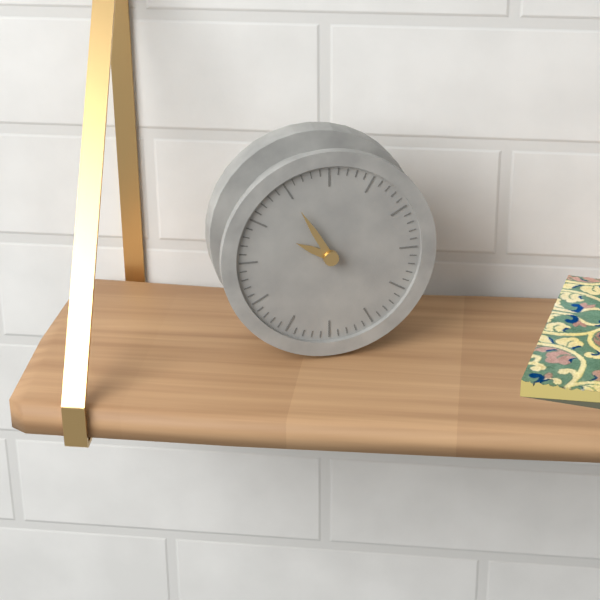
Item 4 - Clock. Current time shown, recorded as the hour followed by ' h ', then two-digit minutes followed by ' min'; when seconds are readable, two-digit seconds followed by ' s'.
9 h 55 min
